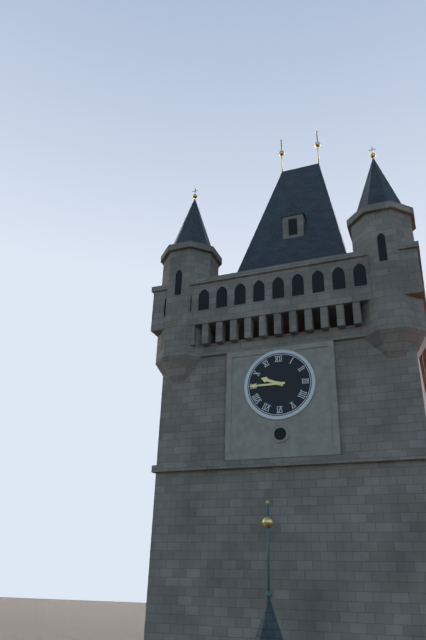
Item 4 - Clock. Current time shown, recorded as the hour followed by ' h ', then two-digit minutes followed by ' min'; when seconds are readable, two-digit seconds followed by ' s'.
9 h 45 min
